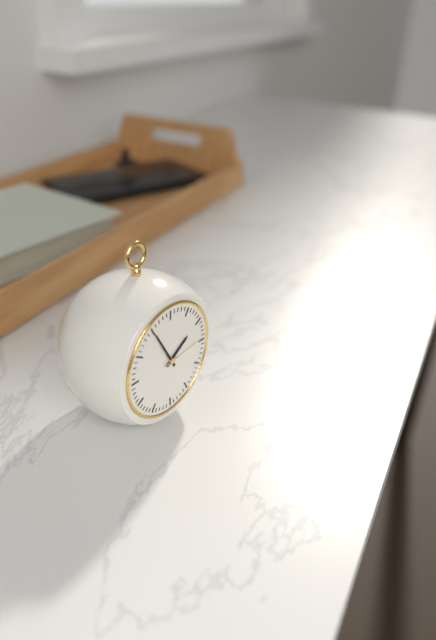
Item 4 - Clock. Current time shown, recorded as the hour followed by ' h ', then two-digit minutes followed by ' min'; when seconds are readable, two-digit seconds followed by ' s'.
1 h 55 min
